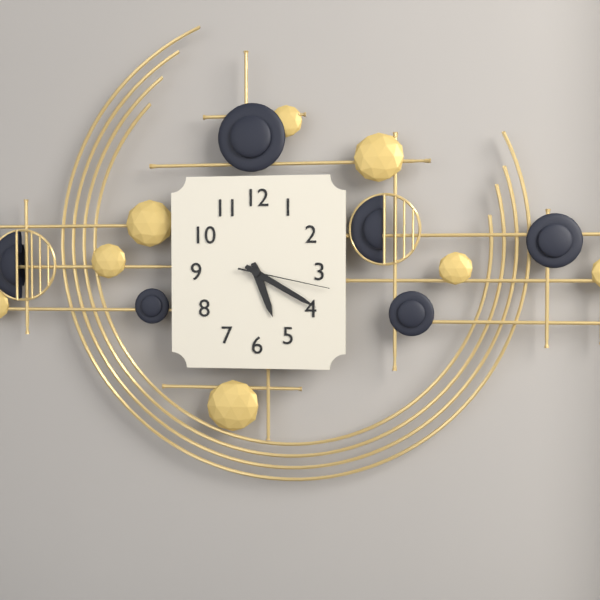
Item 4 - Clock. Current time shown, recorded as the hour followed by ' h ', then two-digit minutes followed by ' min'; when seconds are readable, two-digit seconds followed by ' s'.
5 h 20 min 17 s
